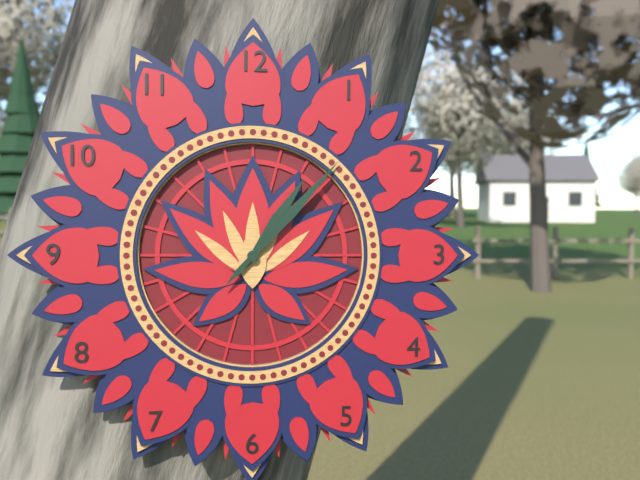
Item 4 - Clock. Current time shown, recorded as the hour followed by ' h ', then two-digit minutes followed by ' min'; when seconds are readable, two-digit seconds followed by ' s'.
1 h 07 min
